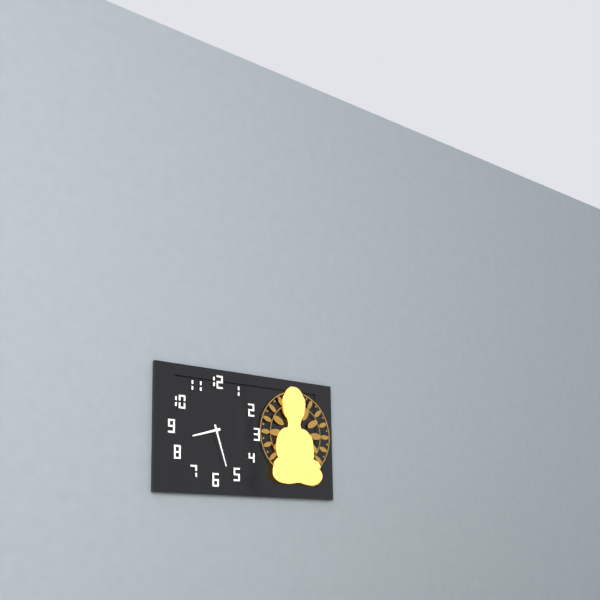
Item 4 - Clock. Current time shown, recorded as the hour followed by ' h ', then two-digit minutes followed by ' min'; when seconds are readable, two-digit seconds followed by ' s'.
8 h 27 min
